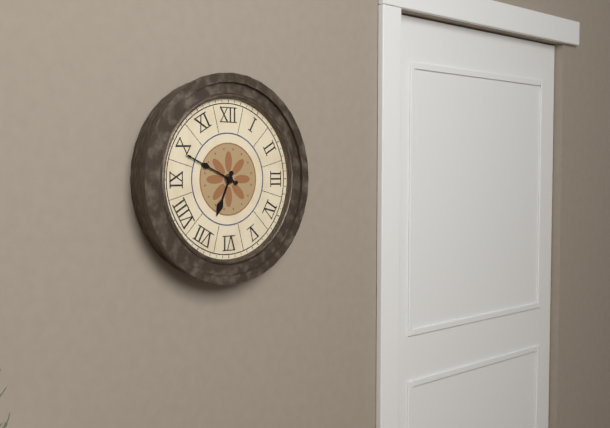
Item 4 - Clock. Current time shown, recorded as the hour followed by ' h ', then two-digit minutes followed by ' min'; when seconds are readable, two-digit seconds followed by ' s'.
6 h 49 min
